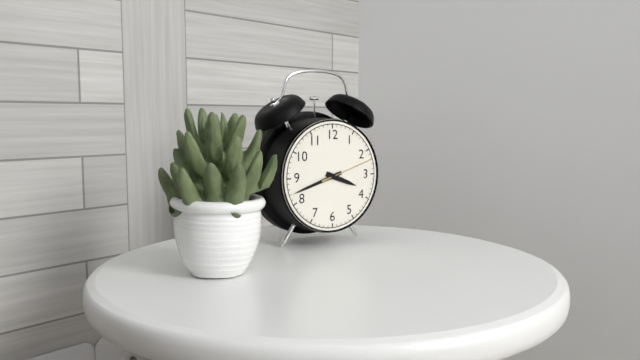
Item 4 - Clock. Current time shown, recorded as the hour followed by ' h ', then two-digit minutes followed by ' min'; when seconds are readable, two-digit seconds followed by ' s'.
3 h 42 min 12 s
